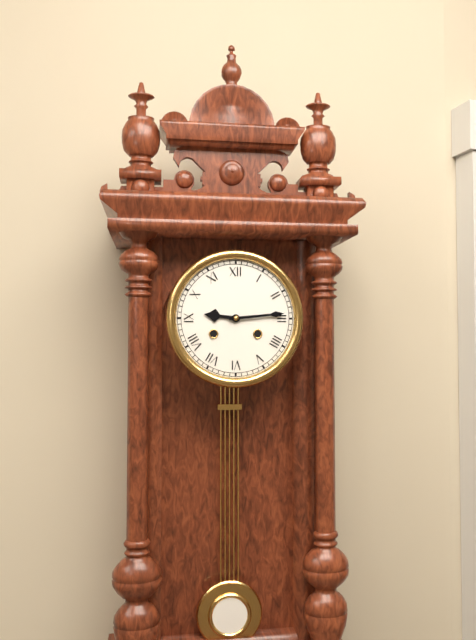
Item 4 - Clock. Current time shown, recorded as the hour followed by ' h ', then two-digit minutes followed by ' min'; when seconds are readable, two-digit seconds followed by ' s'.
9 h 14 min
